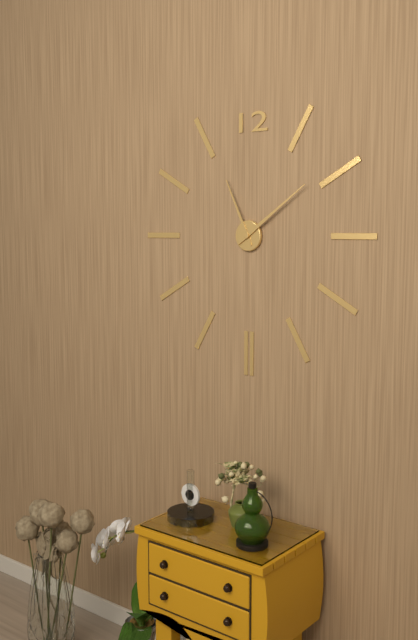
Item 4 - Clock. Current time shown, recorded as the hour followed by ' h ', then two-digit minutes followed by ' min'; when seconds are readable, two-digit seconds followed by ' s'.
11 h 09 min
